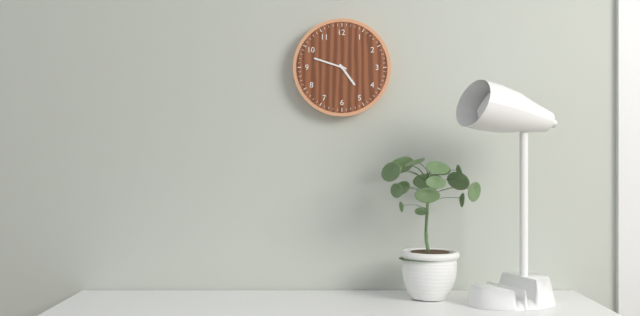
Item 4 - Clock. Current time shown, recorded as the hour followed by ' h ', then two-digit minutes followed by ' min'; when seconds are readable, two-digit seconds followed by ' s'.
4 h 48 min
